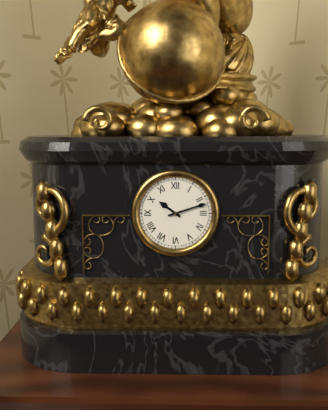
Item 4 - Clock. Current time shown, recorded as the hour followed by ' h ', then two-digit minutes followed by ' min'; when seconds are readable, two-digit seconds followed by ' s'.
10 h 12 min
